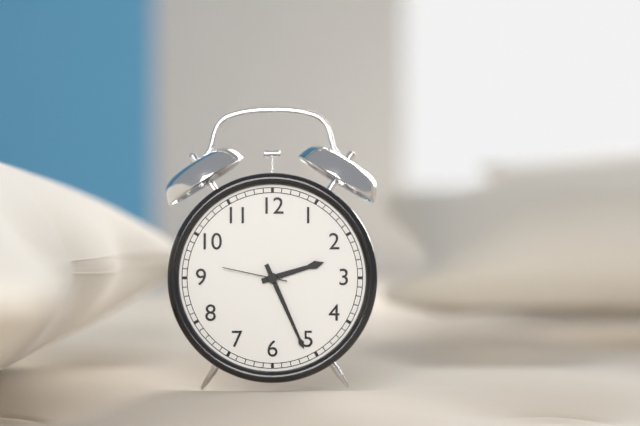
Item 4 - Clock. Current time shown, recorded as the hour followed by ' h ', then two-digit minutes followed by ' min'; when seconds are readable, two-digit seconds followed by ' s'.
2 h 26 min 47 s
